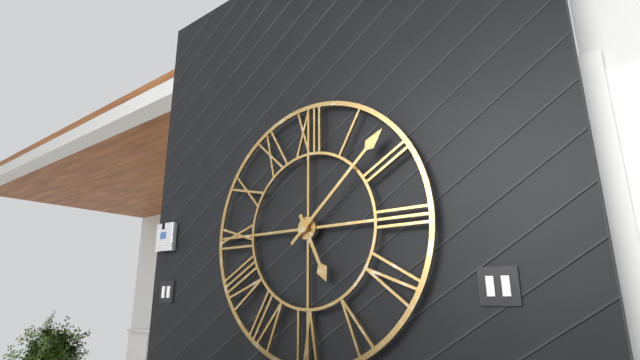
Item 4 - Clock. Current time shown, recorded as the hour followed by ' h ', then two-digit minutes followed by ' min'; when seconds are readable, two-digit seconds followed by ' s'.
5 h 08 min
